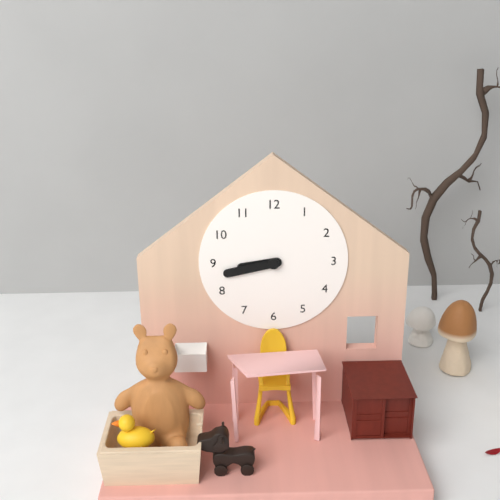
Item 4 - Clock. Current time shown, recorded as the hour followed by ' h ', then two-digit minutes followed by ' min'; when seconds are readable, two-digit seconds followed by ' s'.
8 h 43 min
